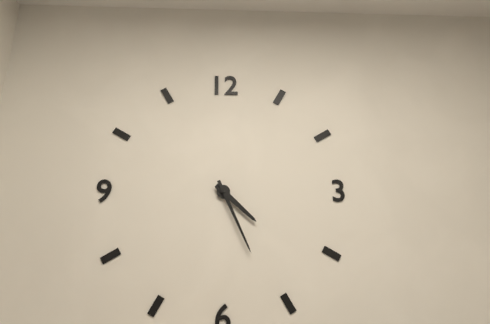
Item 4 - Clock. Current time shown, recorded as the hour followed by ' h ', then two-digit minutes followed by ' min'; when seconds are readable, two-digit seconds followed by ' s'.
4 h 26 min
